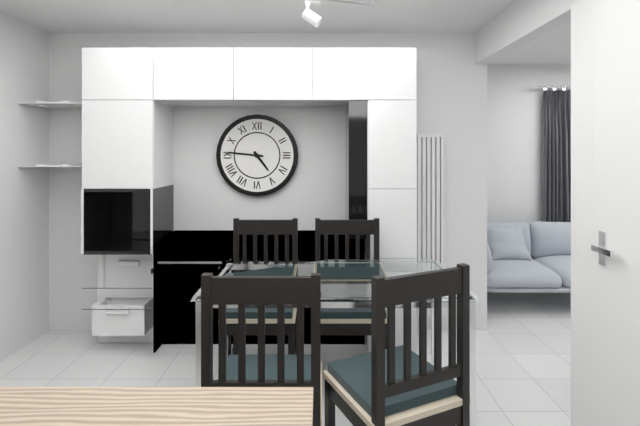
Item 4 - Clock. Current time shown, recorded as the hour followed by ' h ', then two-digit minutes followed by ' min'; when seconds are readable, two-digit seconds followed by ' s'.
4 h 46 min
